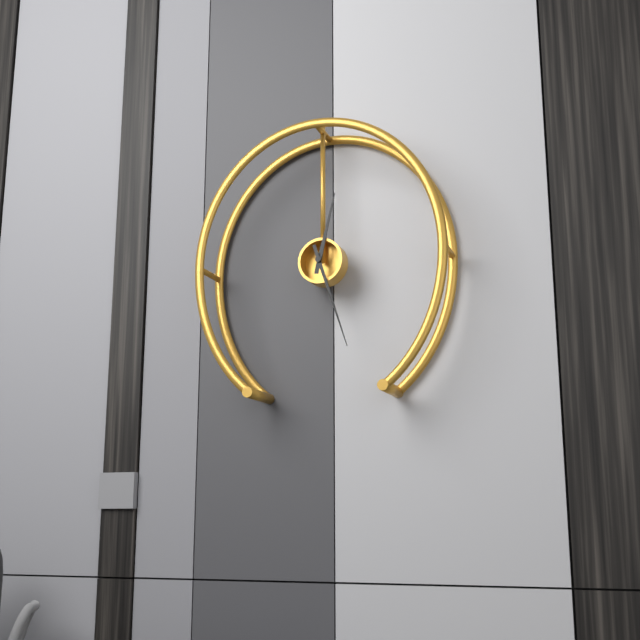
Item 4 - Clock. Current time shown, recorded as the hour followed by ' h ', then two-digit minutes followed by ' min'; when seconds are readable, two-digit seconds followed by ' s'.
12 h 27 min
